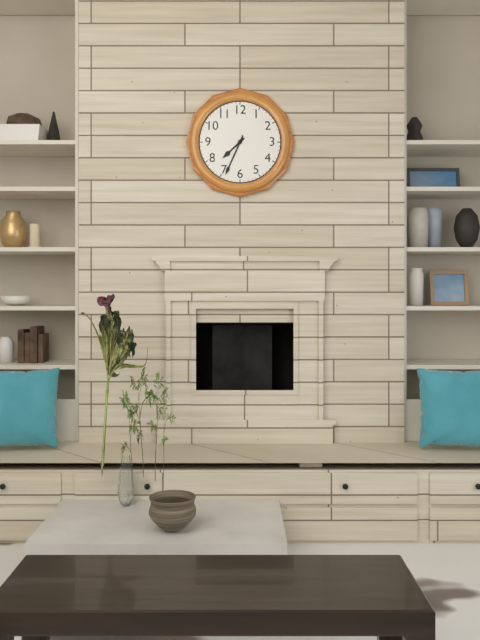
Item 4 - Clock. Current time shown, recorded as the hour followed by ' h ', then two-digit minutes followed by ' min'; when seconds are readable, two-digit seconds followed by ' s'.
7 h 34 min
